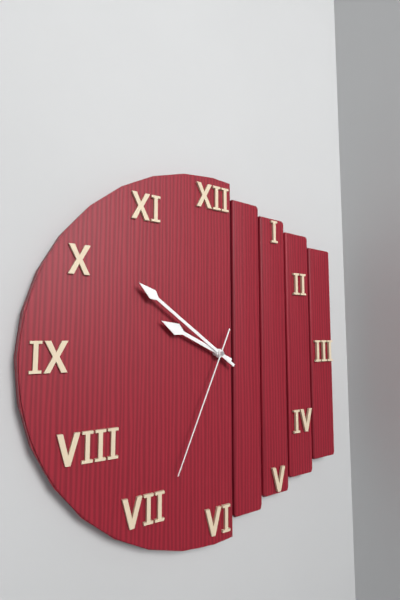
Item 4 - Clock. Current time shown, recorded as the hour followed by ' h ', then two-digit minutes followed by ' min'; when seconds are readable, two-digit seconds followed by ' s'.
9 h 51 min 34 s
